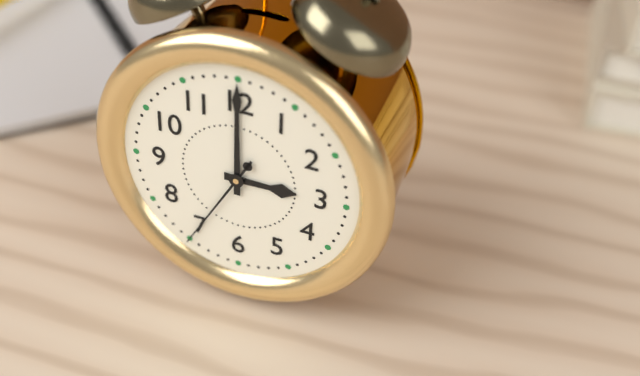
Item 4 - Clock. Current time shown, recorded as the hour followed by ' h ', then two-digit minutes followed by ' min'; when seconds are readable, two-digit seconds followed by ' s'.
3 h 00 min 35 s
